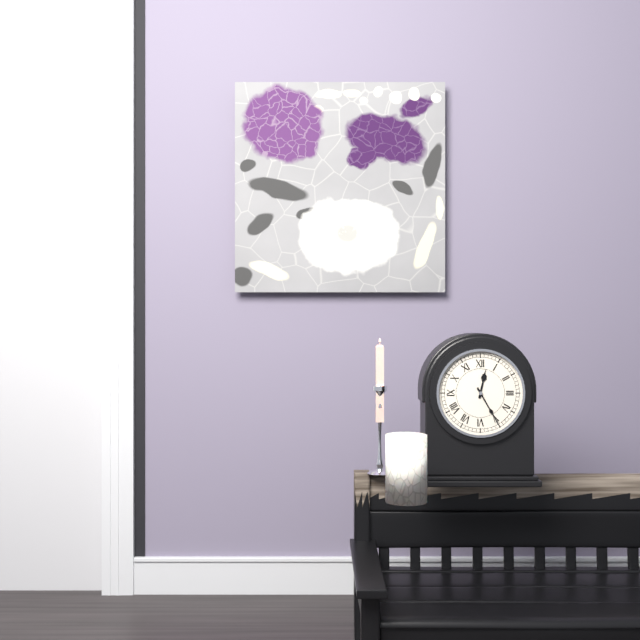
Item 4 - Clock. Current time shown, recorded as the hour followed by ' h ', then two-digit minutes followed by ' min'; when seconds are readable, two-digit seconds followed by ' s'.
12 h 25 min
